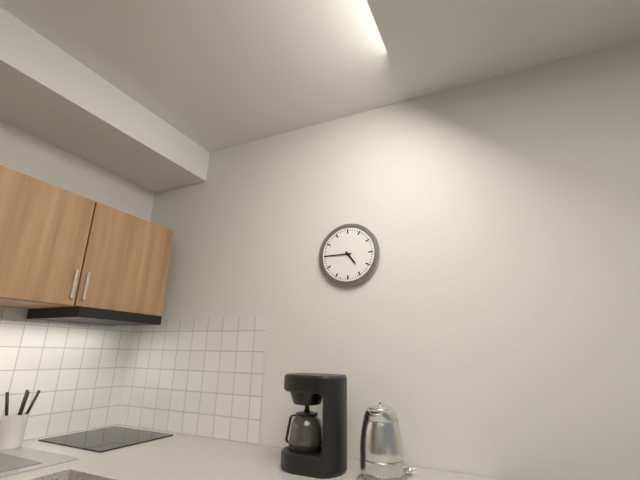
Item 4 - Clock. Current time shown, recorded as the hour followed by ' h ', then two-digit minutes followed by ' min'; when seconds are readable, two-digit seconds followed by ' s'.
4 h 45 min
